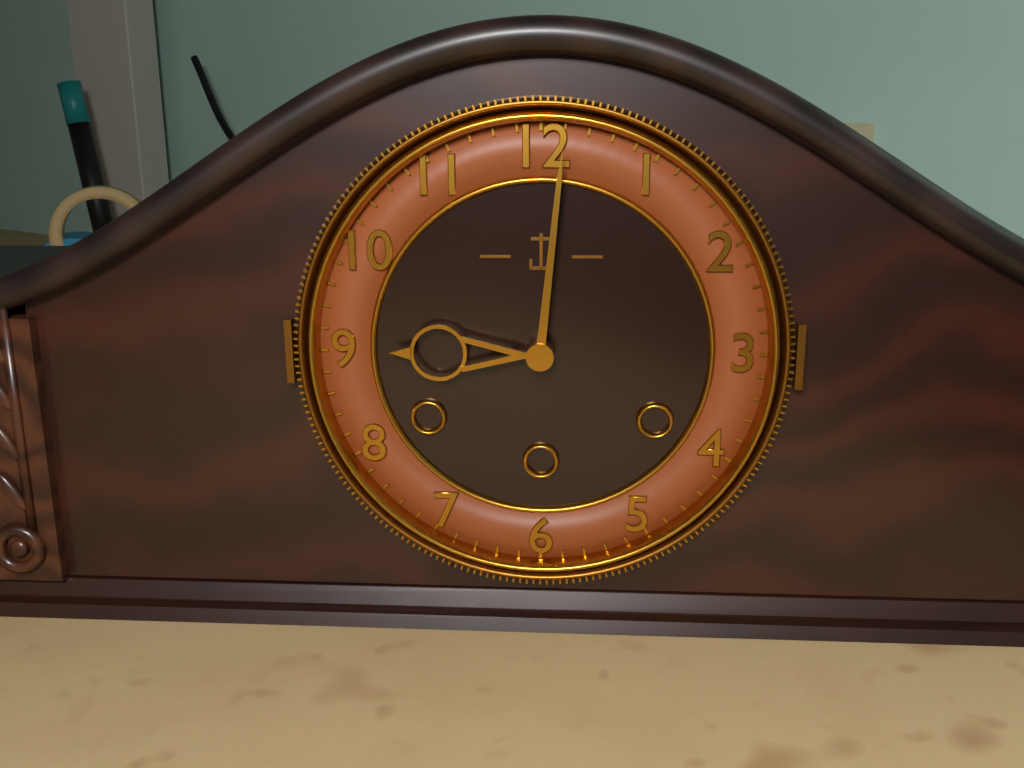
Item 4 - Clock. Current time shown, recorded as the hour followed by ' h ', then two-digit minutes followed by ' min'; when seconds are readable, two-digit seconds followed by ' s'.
9 h 01 min
